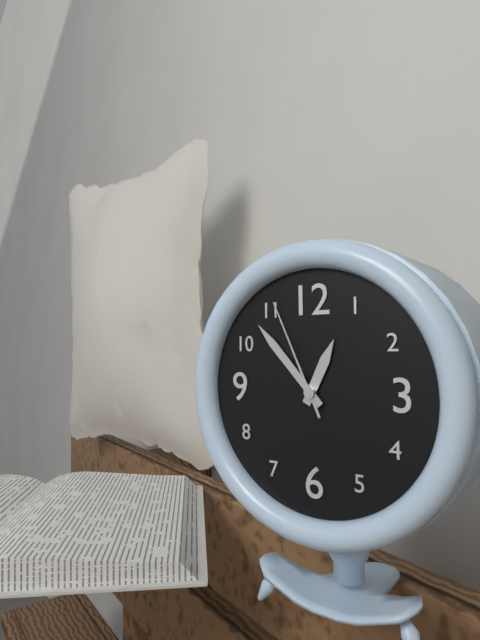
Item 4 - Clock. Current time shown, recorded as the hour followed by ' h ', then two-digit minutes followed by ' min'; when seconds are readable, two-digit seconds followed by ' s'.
12 h 53 min 56 s
